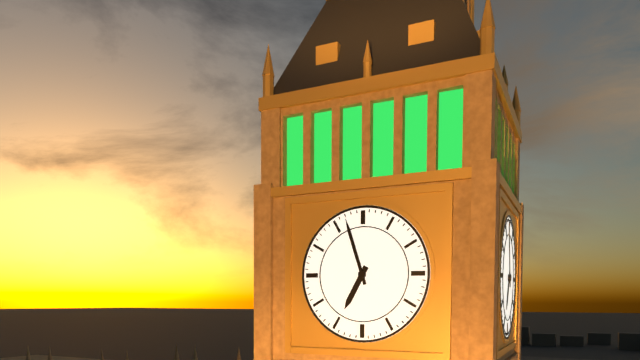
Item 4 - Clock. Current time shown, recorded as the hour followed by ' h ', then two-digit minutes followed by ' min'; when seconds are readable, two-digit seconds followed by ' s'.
6 h 57 min
